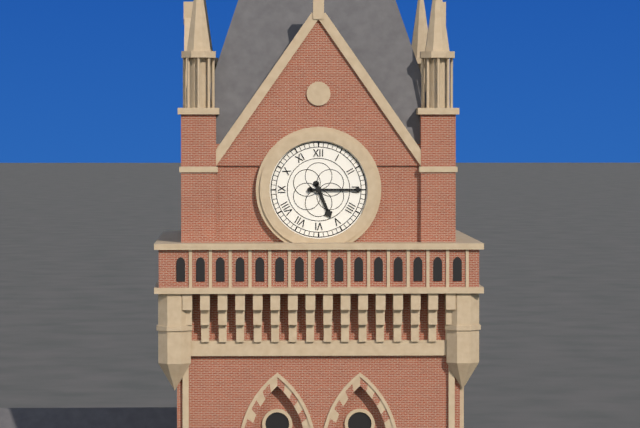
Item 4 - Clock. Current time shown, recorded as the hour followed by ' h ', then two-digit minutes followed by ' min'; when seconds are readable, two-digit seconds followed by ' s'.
5 h 15 min
